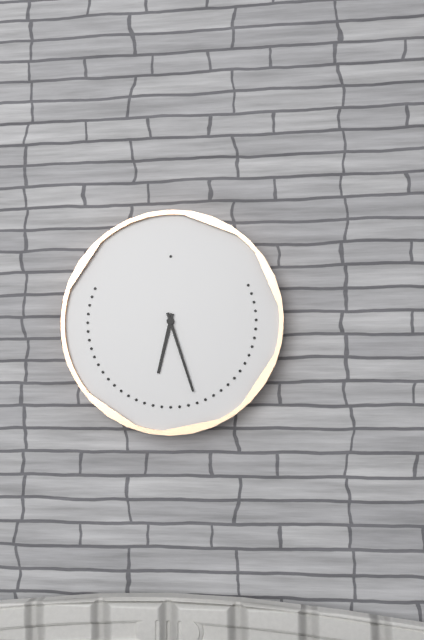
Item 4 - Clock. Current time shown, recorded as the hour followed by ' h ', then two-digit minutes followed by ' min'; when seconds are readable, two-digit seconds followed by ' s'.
6 h 27 min
